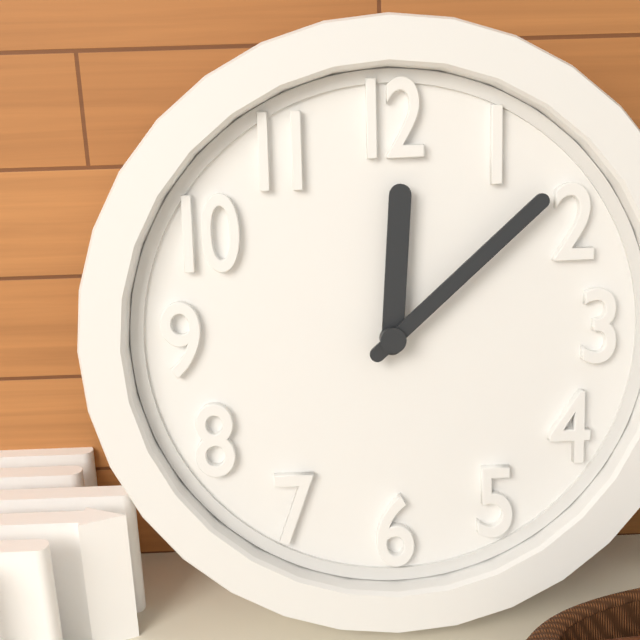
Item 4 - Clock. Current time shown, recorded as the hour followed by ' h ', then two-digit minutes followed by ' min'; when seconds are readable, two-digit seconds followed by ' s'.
12 h 08 min
